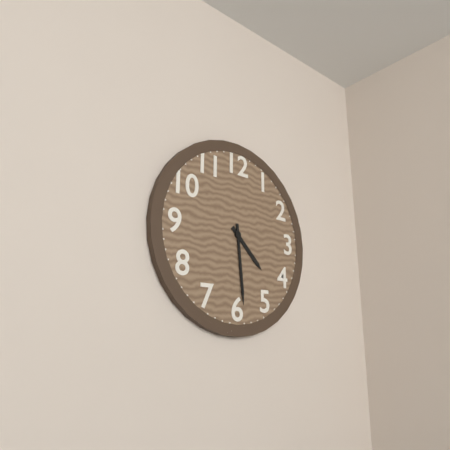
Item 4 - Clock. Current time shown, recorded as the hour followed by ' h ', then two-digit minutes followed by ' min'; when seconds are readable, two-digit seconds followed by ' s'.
4 h 29 min
